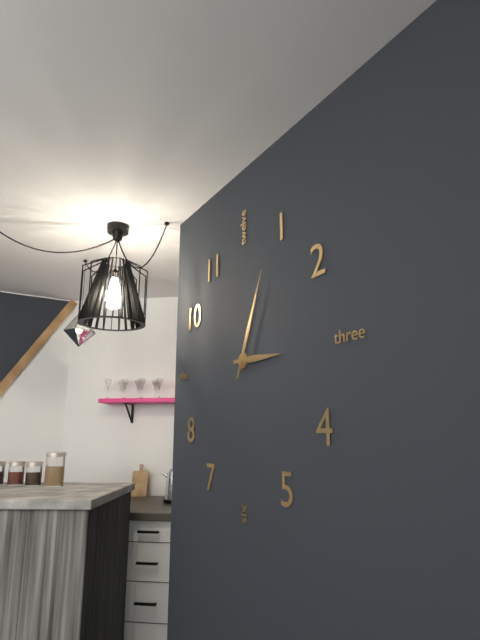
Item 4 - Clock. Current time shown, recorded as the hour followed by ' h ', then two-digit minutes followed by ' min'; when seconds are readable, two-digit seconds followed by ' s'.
3 h 04 min
